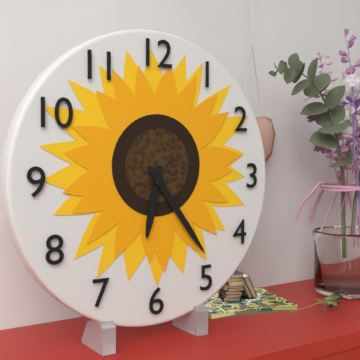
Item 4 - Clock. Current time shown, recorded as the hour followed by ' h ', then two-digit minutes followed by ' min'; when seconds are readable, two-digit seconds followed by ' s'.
6 h 24 min
